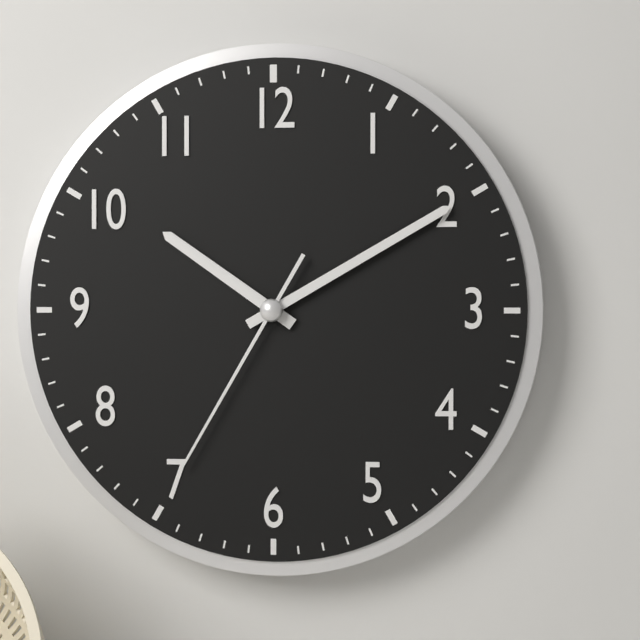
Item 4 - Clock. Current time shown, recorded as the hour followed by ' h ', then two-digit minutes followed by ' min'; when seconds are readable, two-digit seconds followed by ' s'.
10 h 10 min 35 s
